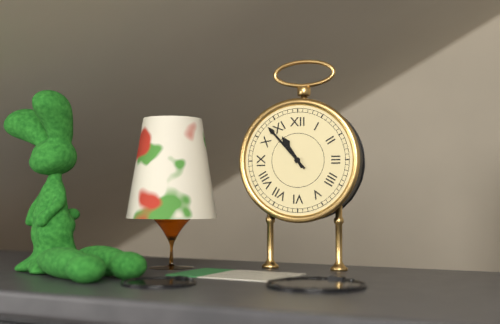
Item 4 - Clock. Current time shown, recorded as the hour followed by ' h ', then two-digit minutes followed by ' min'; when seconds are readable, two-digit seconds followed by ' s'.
10 h 53 min
